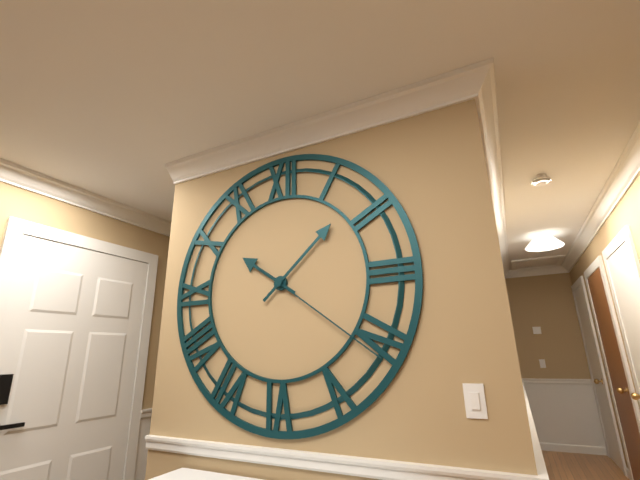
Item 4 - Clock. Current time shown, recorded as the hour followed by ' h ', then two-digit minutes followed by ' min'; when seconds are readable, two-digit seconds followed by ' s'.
10 h 08 min 21 s
